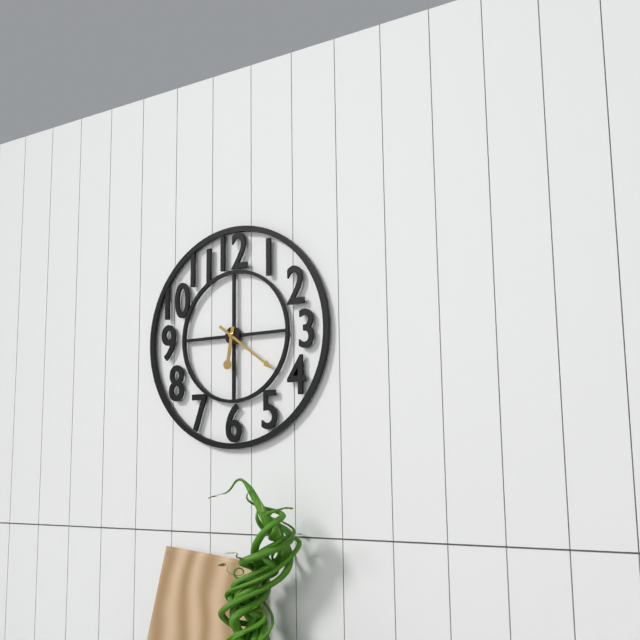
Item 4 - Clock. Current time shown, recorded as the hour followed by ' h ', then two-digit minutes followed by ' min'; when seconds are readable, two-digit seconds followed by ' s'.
6 h 21 min
